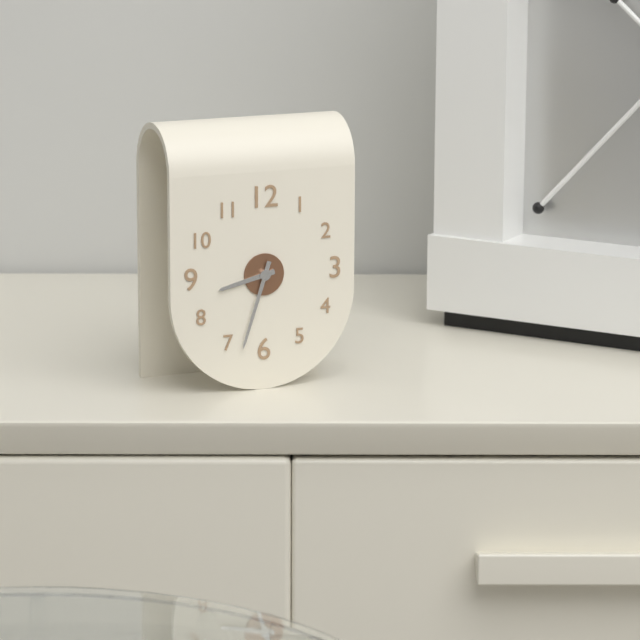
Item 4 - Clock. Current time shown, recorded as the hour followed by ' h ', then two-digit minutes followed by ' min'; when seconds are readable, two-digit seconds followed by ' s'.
8 h 33 min
